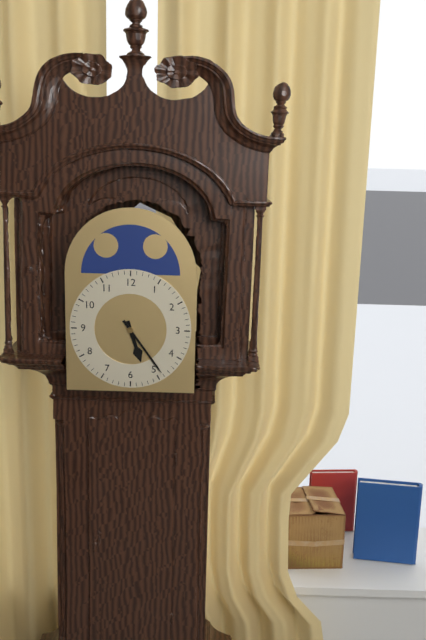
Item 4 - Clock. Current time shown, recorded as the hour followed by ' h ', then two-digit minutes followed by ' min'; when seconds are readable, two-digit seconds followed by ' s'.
5 h 24 min
